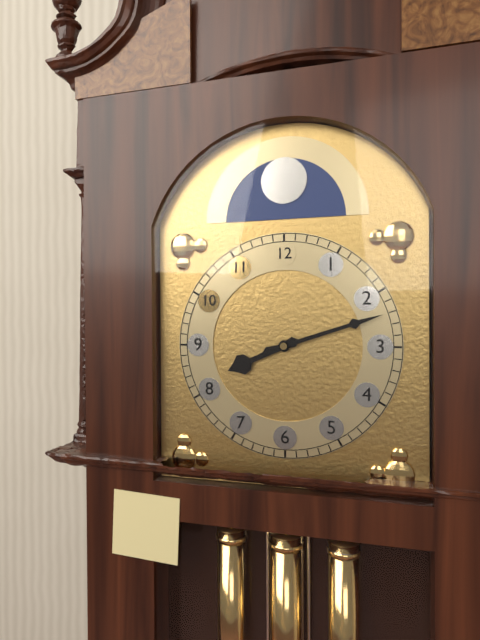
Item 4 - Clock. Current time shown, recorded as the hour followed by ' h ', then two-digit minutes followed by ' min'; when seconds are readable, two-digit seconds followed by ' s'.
8 h 12 min
